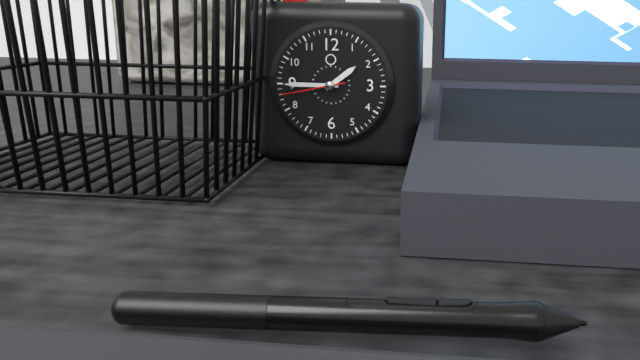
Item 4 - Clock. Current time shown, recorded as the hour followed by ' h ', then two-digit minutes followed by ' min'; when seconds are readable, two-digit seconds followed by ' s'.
1 h 45 min 43 s
